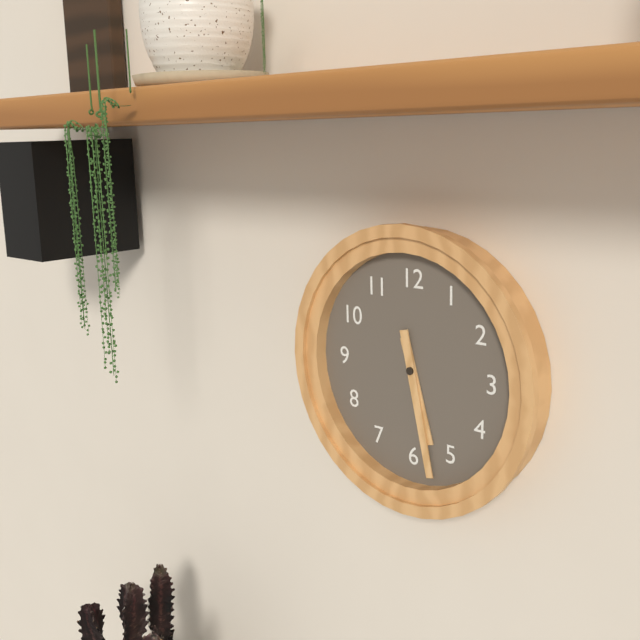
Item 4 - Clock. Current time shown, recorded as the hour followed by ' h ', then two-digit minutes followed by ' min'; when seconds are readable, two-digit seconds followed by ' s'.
5 h 28 min
